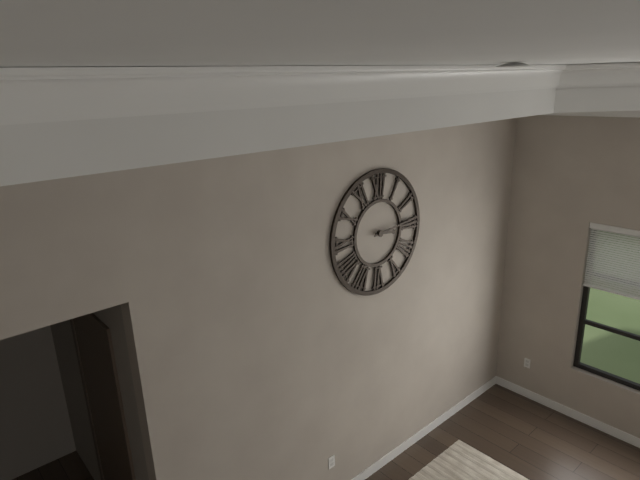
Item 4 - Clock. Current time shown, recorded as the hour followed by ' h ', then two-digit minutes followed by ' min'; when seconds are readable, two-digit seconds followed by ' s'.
3 h 14 min
